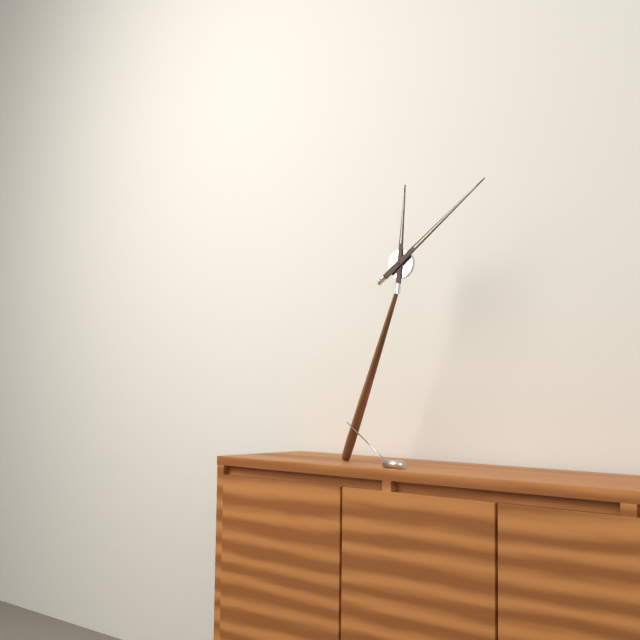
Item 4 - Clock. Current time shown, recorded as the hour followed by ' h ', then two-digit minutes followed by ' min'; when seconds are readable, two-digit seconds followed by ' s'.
12 h 09 min
